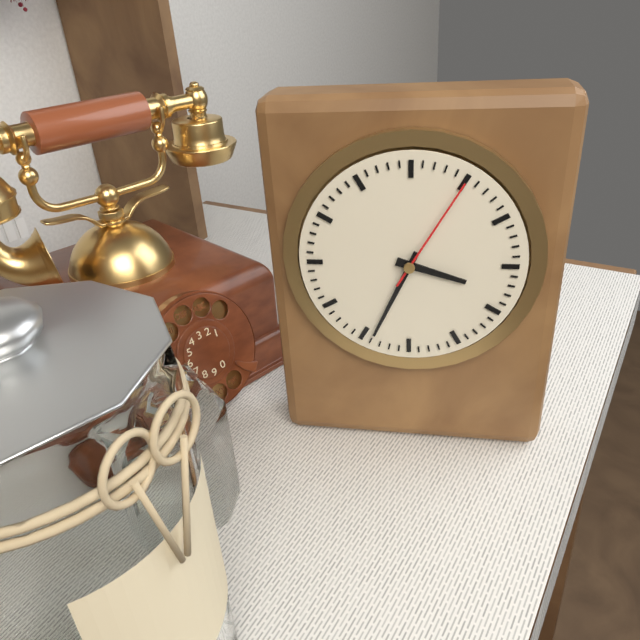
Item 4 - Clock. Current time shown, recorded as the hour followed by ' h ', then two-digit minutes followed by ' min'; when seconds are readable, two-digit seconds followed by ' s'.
3 h 34 min 05 s
